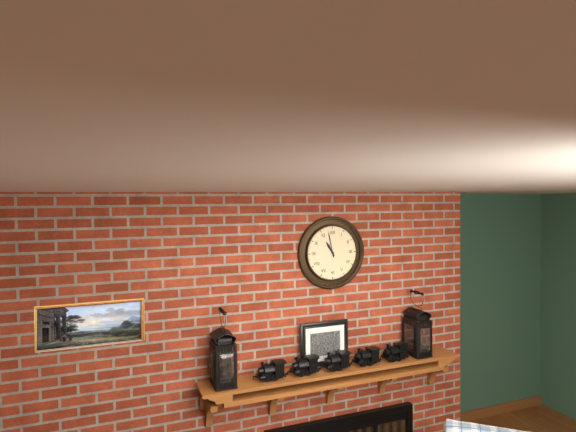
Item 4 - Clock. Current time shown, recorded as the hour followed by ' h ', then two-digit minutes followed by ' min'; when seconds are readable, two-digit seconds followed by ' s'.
10 h 58 min
